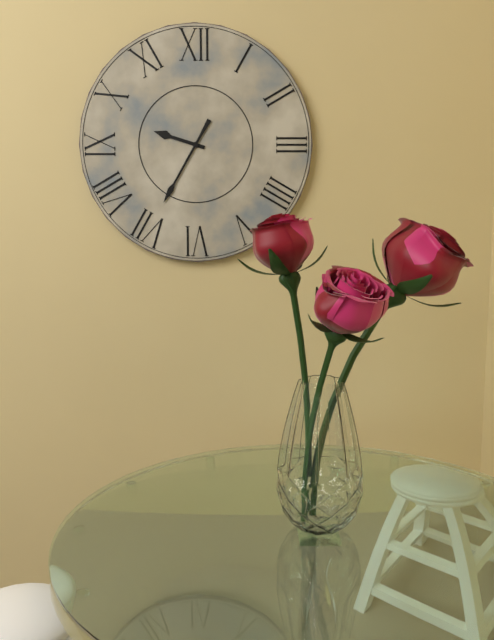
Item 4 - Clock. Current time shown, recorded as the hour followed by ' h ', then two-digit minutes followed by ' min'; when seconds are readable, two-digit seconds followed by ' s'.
9 h 35 min
